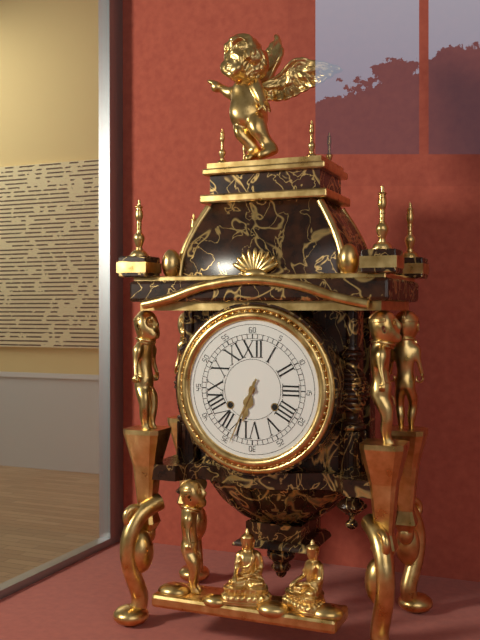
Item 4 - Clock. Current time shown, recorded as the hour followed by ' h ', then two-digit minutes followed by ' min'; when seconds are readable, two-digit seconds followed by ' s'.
6 h 34 min
